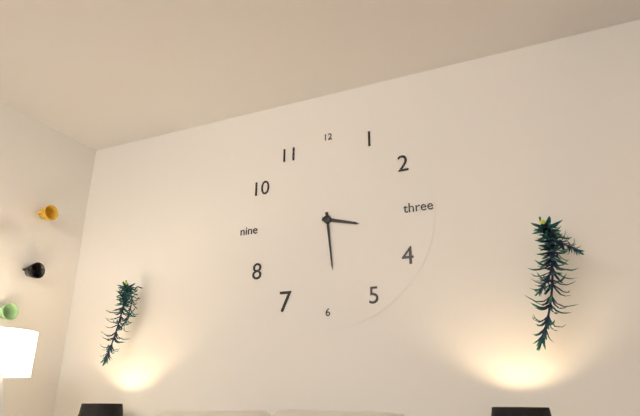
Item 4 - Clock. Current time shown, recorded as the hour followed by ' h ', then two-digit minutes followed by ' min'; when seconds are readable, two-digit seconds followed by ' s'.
3 h 29 min
